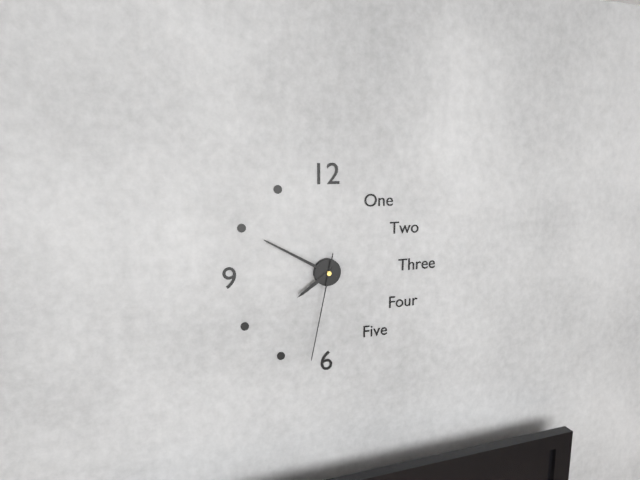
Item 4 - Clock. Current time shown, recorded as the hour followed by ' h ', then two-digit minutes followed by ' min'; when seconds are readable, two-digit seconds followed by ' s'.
7 h 50 min 32 s
